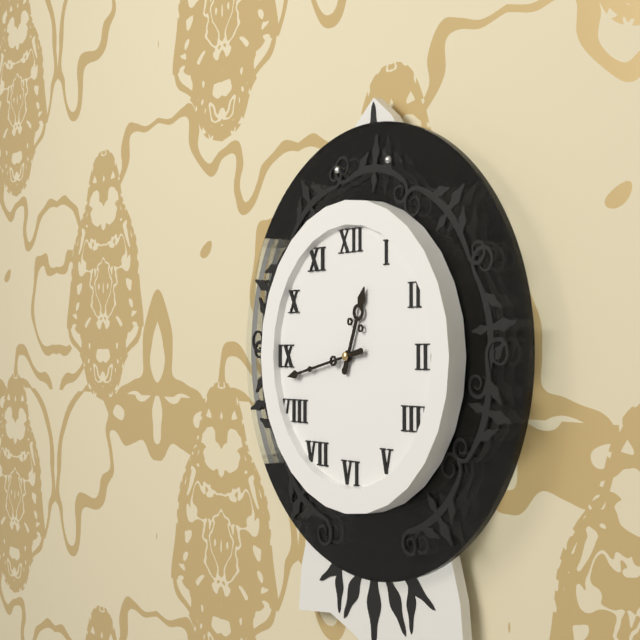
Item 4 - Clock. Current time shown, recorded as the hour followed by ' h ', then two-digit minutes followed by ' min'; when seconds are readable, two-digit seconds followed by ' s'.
12 h 43 min
